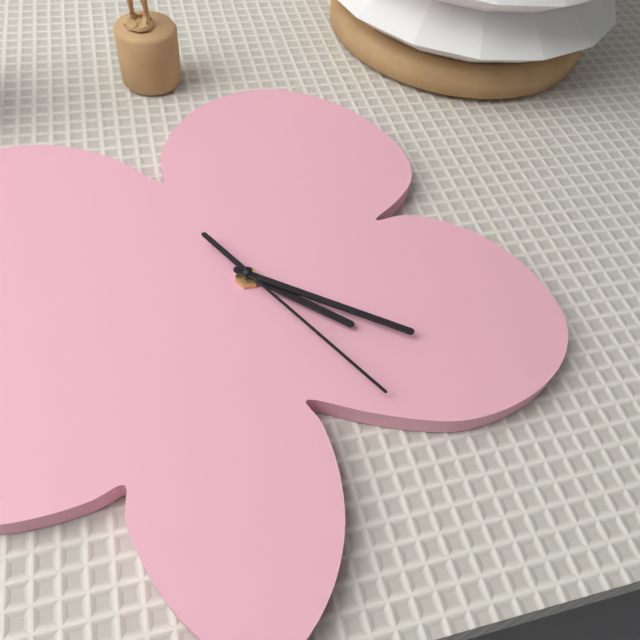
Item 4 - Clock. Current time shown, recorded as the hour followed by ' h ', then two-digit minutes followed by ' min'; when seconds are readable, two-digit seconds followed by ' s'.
5 h 26 min 30 s
